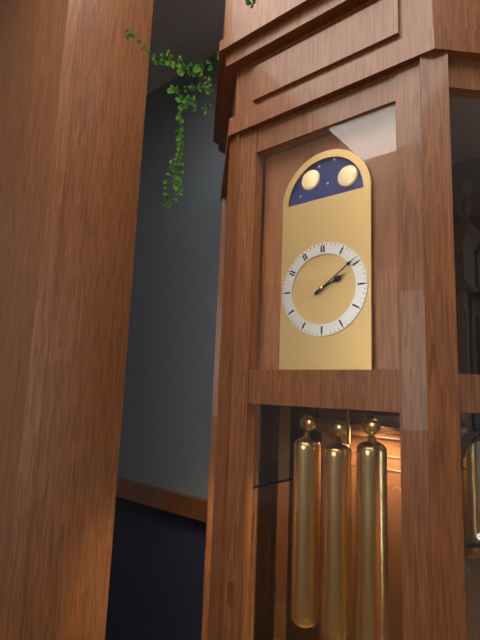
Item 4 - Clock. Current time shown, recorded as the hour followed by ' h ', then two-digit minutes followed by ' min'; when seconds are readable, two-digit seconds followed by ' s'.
2 h 09 min
